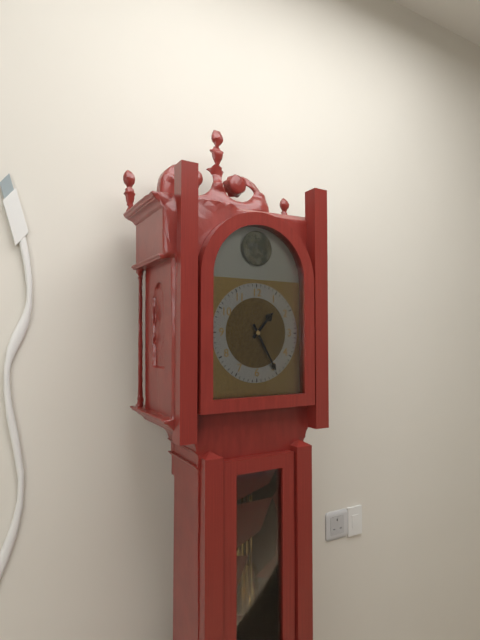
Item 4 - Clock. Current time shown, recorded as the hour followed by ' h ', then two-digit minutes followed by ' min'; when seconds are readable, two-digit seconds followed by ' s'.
1 h 25 min
